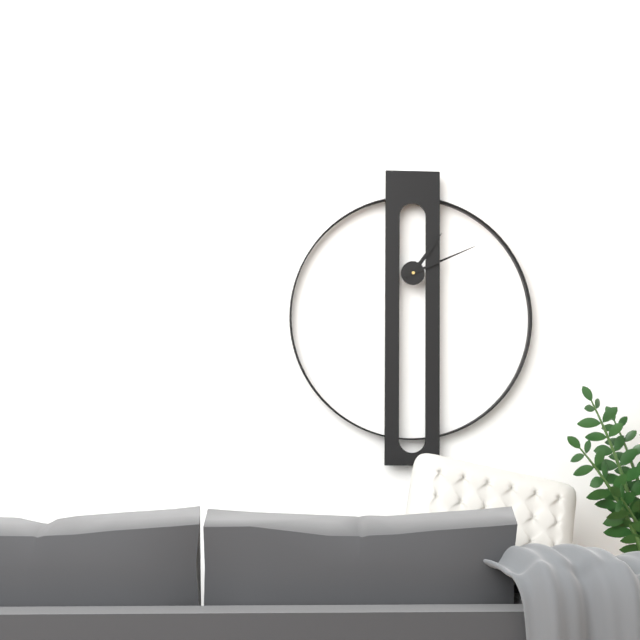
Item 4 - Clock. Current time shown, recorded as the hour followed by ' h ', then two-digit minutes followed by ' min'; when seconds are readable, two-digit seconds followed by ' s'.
1 h 11 min
